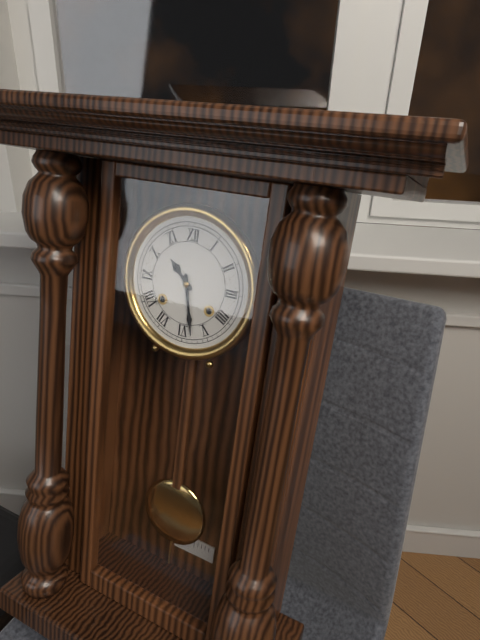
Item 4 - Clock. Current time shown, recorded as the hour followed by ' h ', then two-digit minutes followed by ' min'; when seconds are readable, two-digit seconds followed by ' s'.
10 h 28 min
